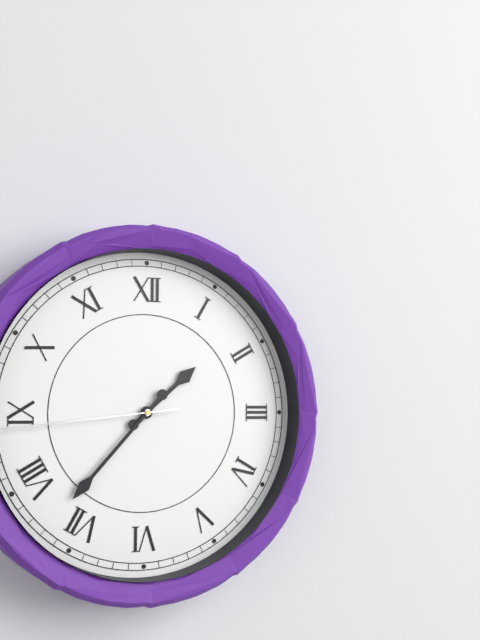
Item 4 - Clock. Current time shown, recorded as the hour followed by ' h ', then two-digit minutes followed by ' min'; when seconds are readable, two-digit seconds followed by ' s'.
1 h 37 min
